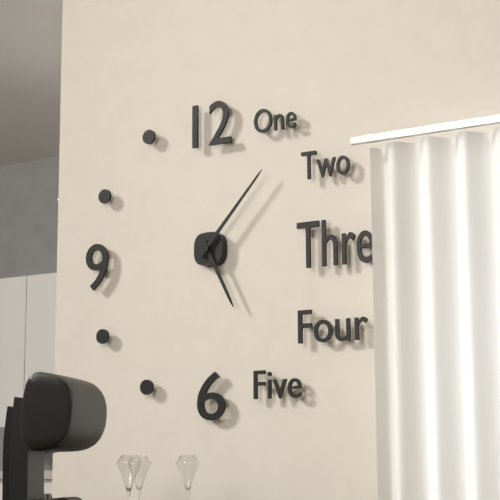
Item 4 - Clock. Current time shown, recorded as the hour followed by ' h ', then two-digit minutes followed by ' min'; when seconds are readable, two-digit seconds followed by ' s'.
5 h 07 min
